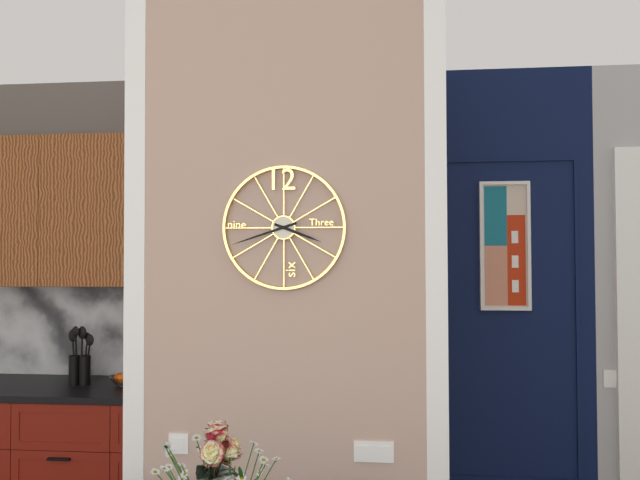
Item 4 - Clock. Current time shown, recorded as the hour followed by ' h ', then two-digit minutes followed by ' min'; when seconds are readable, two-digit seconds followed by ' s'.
3 h 42 min
